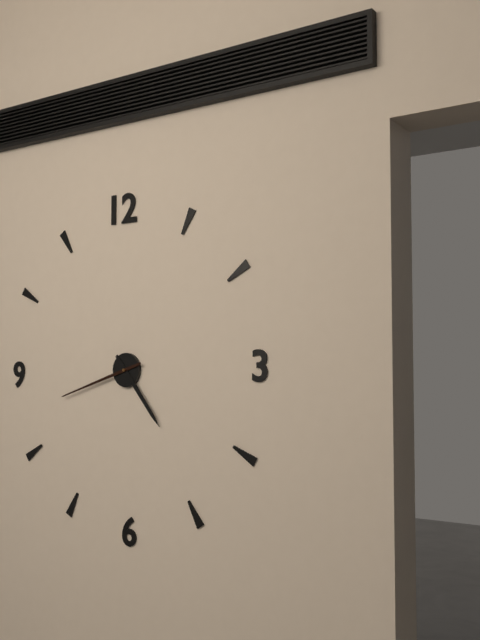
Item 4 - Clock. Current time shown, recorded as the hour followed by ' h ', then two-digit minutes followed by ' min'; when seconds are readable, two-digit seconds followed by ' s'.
4 h 42 min
